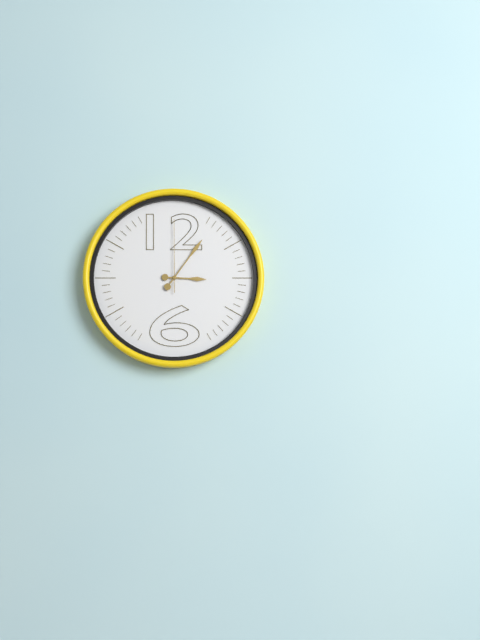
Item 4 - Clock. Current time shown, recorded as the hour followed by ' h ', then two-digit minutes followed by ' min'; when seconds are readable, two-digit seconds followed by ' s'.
3 h 06 min 00 s
